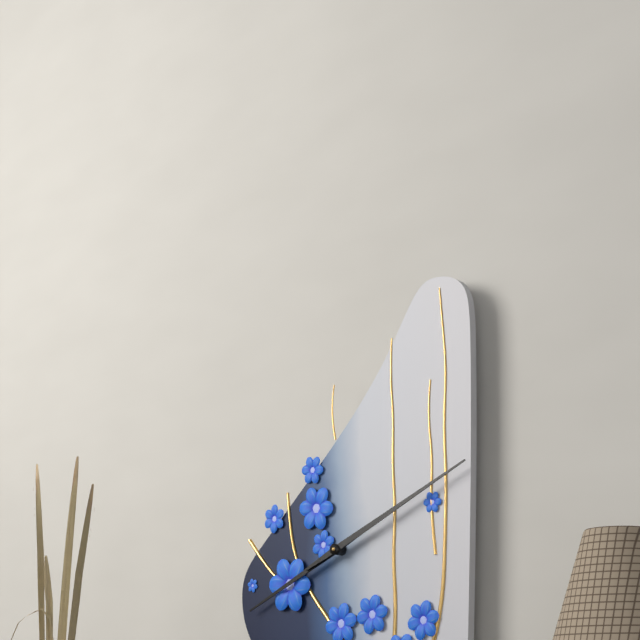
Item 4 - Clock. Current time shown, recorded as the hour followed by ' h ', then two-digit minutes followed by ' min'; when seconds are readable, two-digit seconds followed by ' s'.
8 h 11 min
